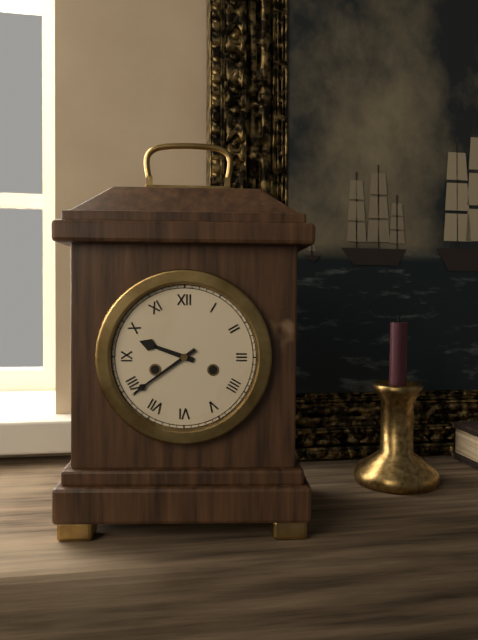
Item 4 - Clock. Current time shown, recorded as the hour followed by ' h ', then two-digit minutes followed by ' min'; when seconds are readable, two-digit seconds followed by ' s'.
9 h 39 min
